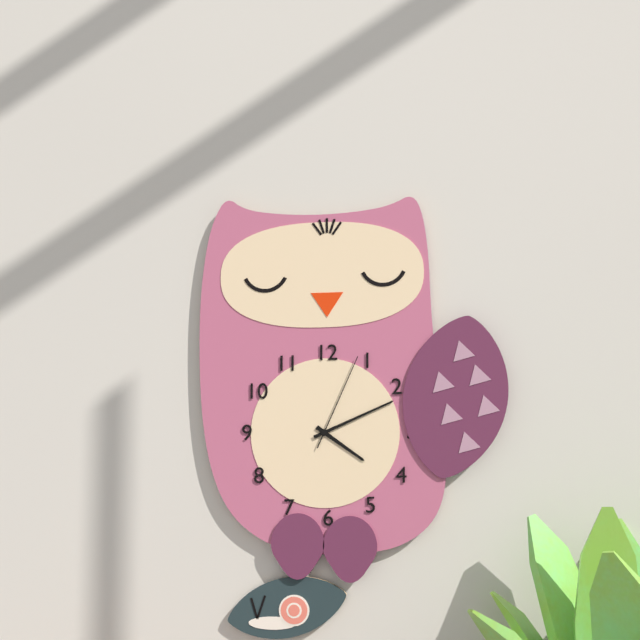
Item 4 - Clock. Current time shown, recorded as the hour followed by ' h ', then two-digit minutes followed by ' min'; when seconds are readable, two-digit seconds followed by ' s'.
4 h 11 min 04 s
